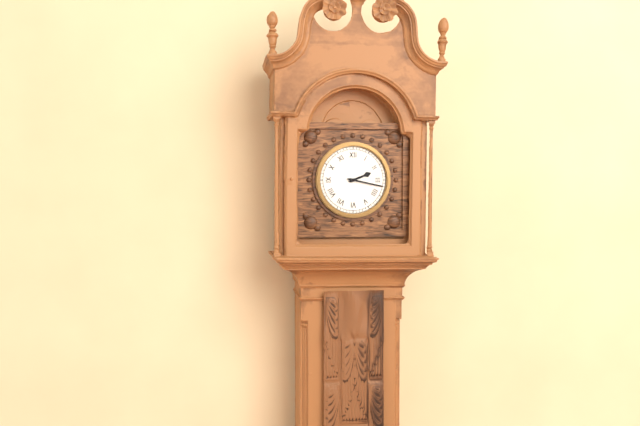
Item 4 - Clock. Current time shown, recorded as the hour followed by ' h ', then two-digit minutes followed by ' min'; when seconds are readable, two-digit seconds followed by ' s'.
2 h 17 min
